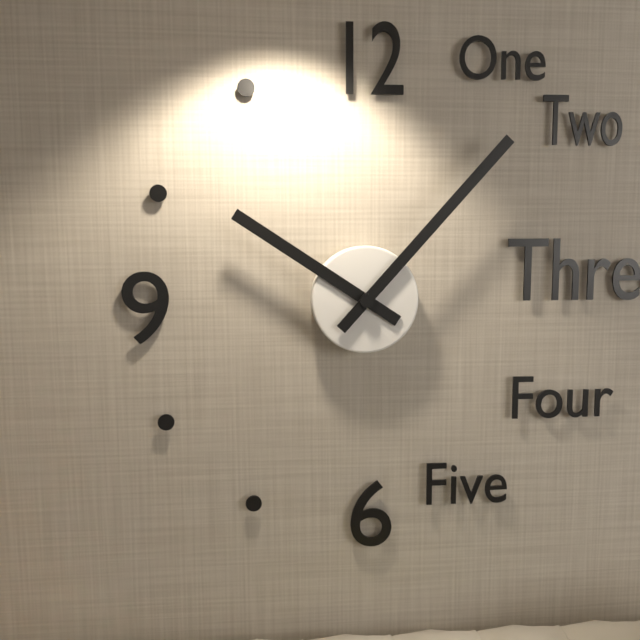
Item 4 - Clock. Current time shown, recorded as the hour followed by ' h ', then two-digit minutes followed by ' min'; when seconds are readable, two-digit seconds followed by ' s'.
10 h 07 min
